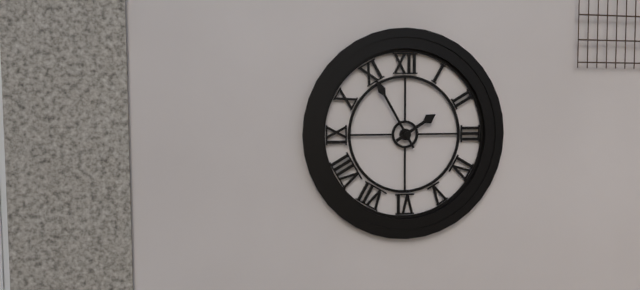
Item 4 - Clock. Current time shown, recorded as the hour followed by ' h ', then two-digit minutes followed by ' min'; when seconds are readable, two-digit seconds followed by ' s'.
1 h 55 min
